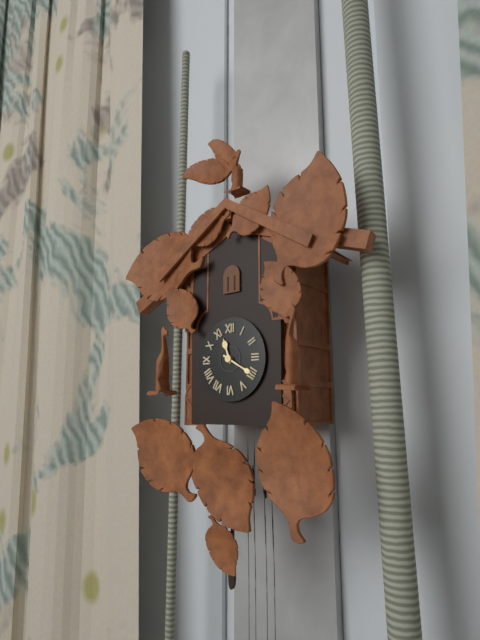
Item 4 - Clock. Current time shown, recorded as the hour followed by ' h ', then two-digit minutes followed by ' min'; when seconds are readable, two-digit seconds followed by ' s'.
11 h 20 min
